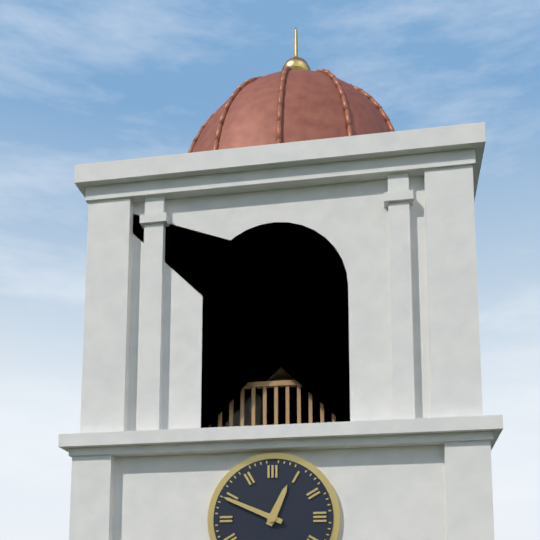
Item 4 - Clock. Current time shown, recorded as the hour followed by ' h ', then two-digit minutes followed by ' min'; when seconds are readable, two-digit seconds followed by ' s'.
12 h 49 min
